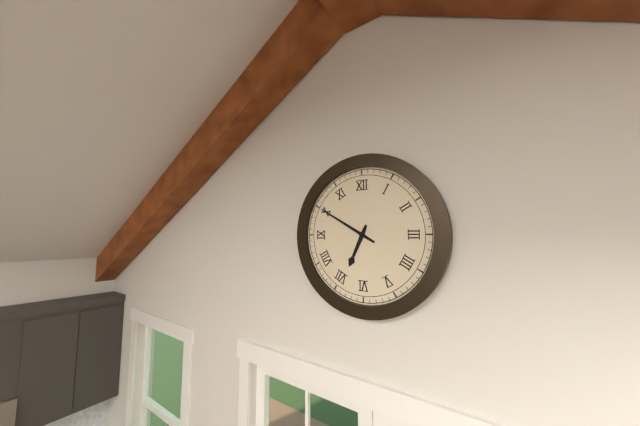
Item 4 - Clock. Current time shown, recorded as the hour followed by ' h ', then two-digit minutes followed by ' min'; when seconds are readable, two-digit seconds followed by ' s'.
6 h 50 min
